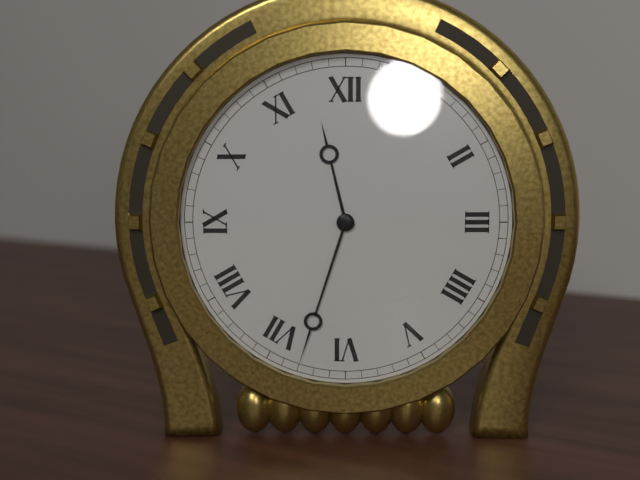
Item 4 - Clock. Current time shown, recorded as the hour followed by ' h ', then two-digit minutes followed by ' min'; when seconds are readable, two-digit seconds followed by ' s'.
11 h 33 min
